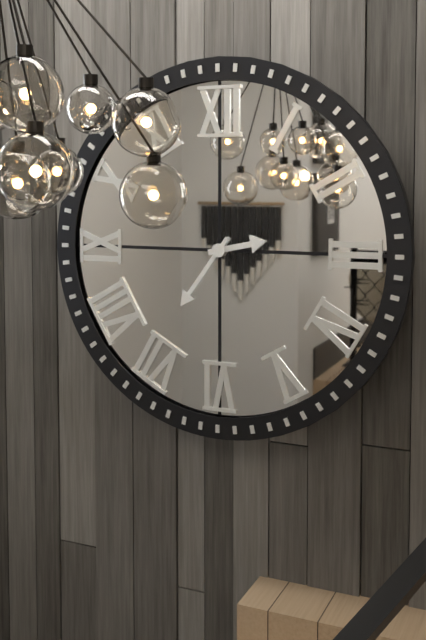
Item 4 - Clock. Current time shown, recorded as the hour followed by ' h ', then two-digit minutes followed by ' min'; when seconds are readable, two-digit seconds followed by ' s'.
2 h 36 min
